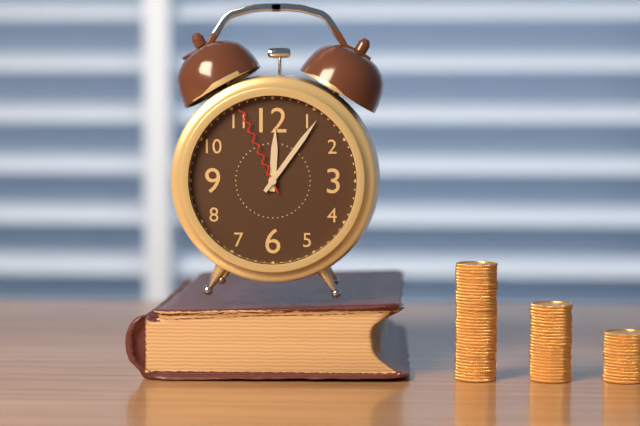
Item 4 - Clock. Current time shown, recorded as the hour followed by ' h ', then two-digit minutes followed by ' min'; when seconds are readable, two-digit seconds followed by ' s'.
12 h 06 min 56 s
